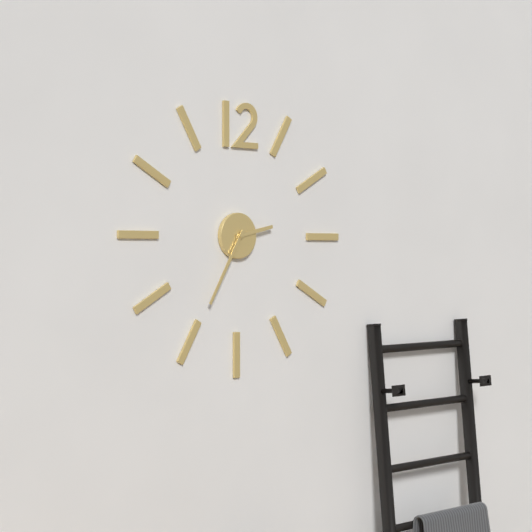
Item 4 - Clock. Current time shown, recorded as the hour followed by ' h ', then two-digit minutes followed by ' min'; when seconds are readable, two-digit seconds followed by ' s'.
2 h 35 min
